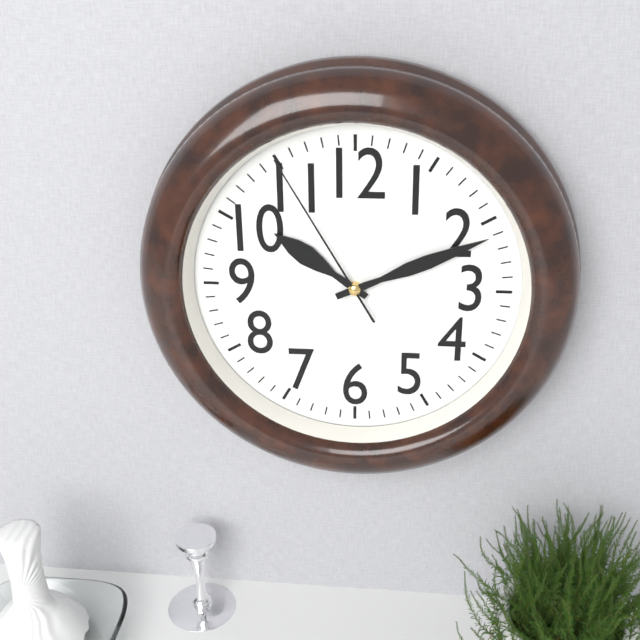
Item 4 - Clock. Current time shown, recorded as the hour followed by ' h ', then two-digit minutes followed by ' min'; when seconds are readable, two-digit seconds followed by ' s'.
10 h 11 min 55 s
